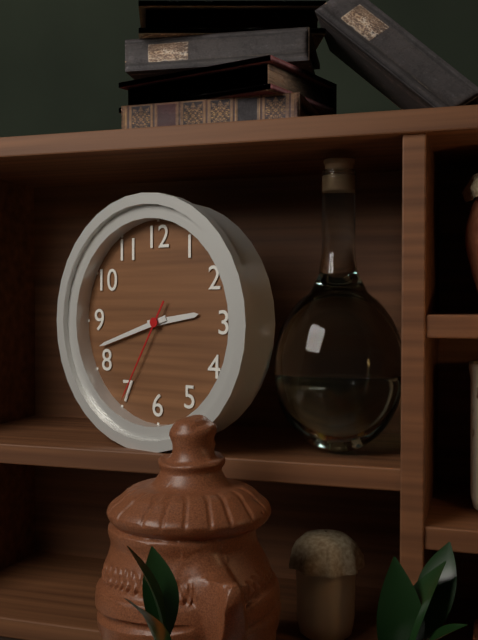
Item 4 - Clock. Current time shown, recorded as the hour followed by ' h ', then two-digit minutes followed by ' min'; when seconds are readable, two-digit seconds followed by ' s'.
2 h 42 min 35 s
